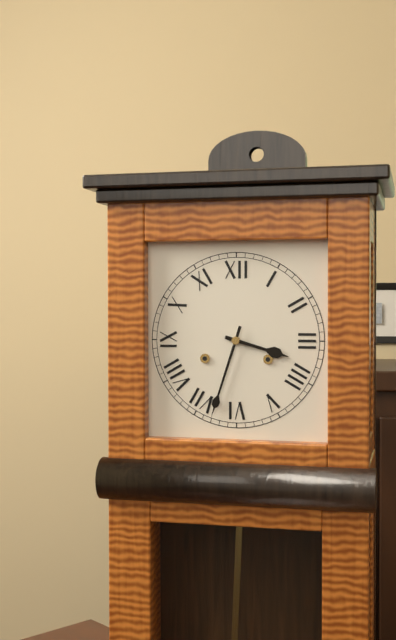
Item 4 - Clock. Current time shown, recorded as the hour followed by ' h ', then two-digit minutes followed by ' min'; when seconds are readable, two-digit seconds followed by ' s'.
3 h 33 min
